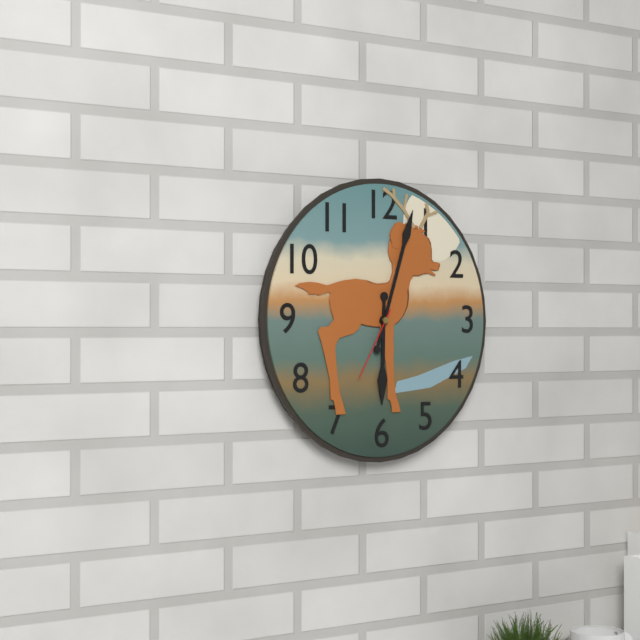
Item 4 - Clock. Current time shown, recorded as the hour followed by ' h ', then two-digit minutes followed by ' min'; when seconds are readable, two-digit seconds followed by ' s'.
6 h 03 min 35 s
